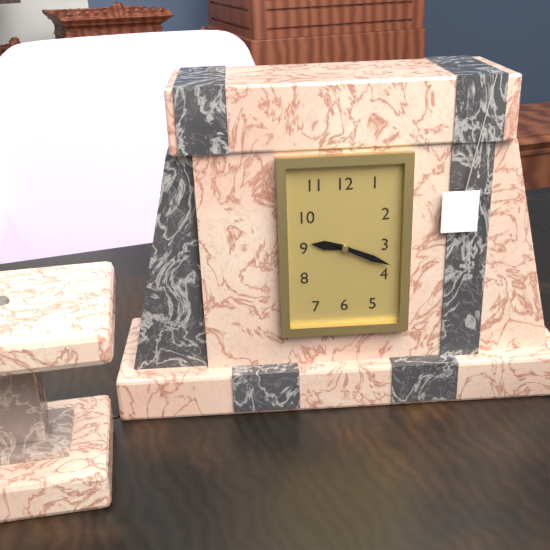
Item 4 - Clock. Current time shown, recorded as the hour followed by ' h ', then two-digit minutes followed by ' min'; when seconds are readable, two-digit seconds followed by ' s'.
9 h 19 min
